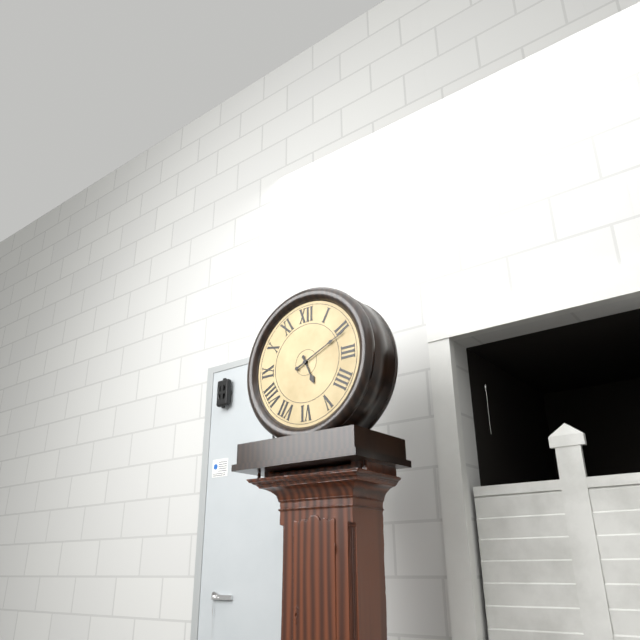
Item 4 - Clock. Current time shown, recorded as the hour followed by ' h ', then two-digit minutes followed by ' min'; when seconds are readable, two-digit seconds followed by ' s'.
5 h 11 min
